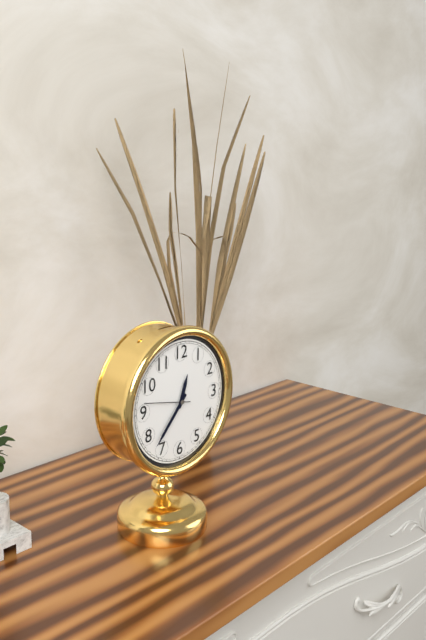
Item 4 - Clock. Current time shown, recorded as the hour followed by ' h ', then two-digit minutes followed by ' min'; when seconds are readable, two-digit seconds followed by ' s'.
12 h 37 min
